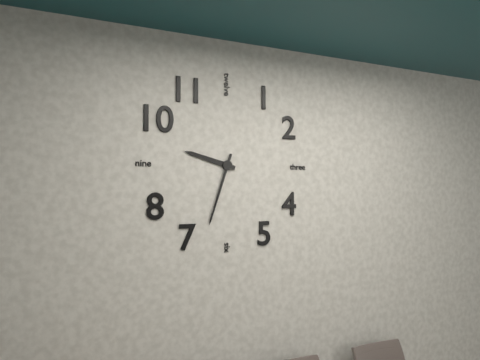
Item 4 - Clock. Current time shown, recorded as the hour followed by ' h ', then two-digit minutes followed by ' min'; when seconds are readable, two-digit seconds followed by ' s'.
9 h 33 min
